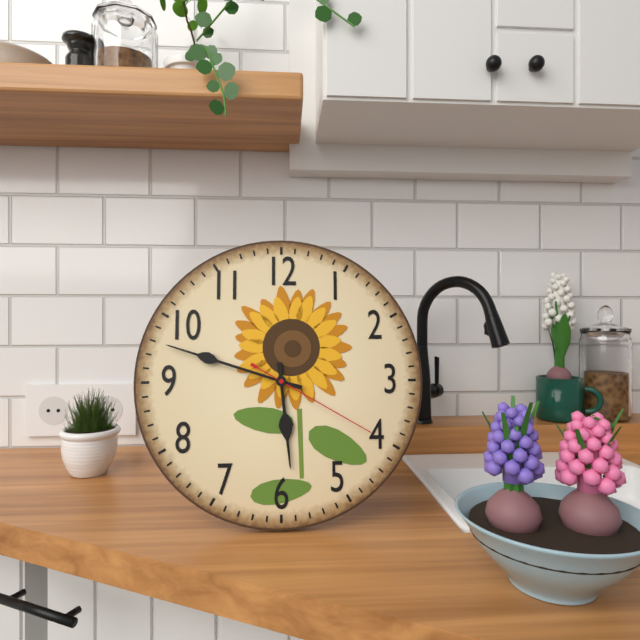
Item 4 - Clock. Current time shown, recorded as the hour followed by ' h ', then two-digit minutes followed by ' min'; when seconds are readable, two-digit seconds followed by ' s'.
5 h 48 min 20 s
